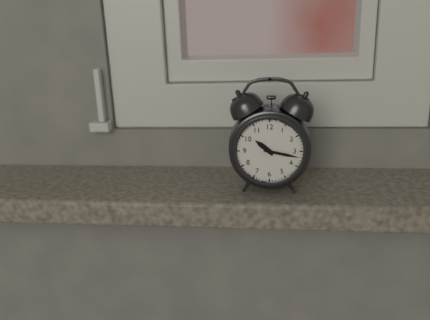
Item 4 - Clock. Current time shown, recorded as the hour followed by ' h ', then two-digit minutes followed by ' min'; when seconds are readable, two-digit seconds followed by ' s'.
10 h 17 min
